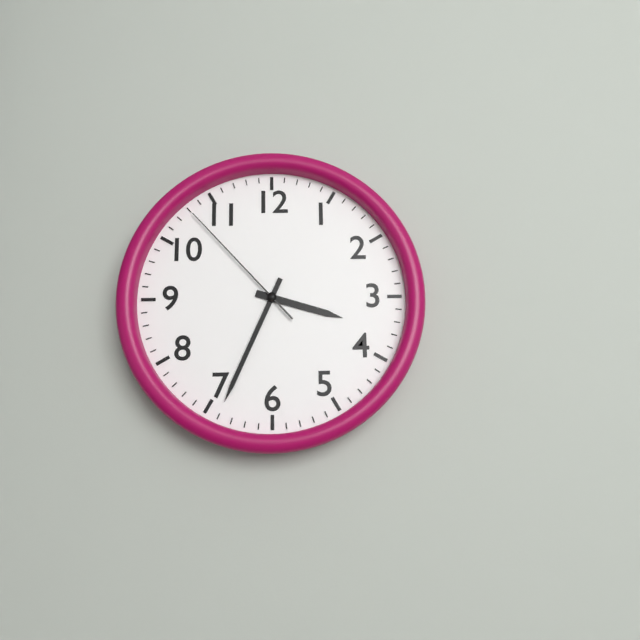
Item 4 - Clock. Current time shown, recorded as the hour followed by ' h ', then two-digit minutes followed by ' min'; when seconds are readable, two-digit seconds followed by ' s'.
3 h 34 min 53 s
